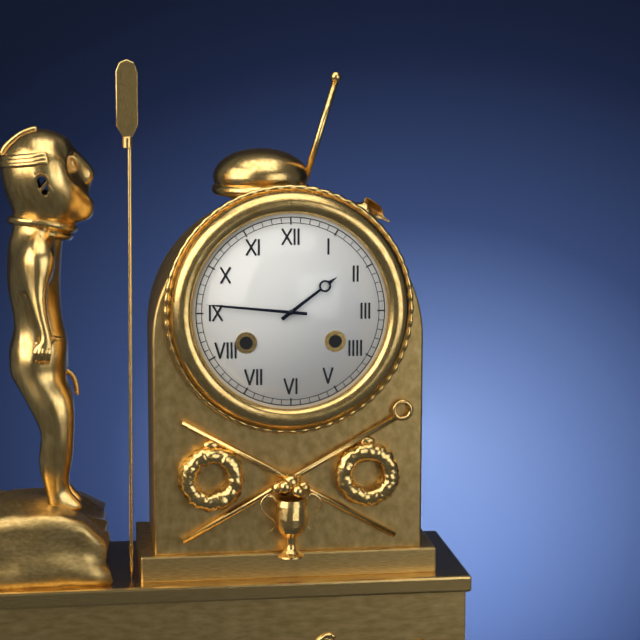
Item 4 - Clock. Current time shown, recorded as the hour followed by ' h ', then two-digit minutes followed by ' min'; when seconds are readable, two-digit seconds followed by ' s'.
1 h 46 min
